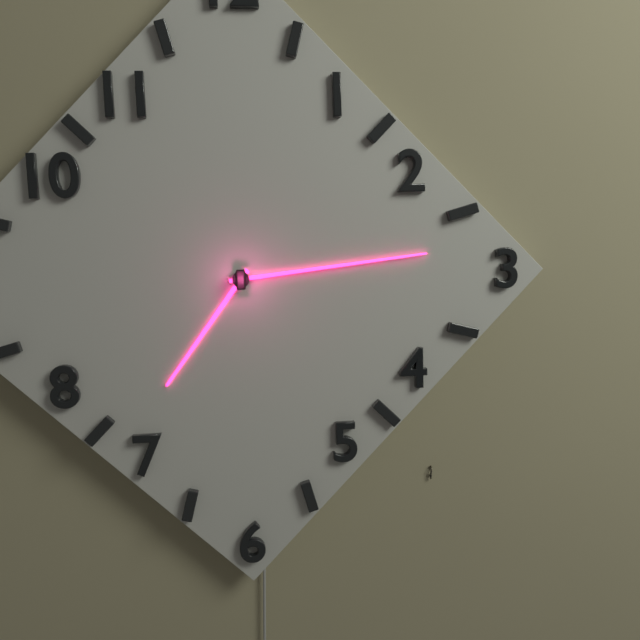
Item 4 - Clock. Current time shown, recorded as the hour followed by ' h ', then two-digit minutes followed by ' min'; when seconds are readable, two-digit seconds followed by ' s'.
7 h 14 min
